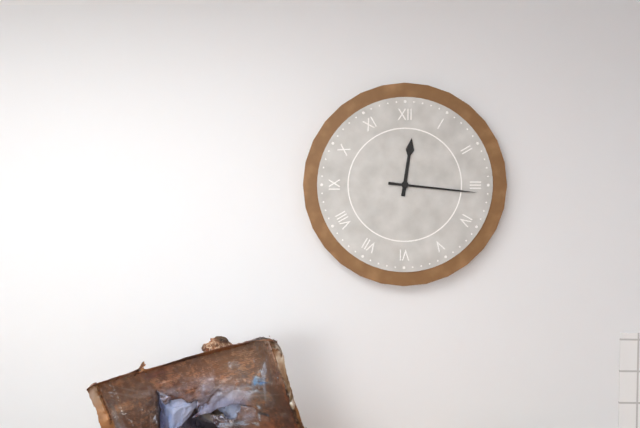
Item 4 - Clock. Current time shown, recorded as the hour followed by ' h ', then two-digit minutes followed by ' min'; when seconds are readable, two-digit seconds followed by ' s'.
12 h 16 min
